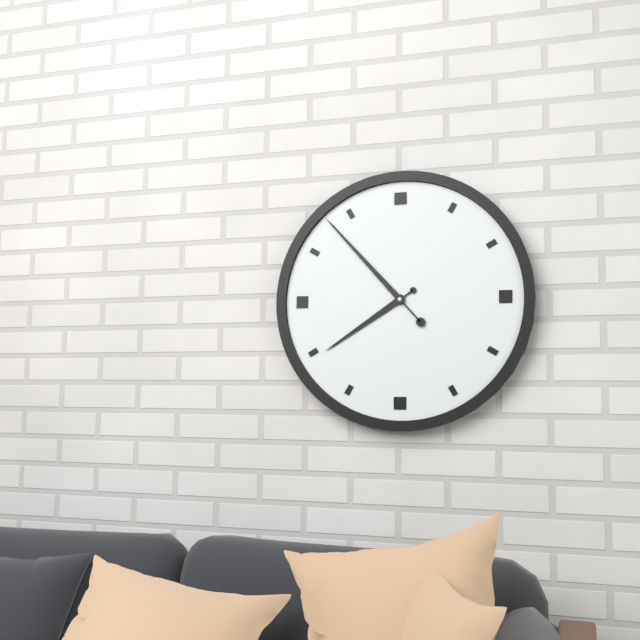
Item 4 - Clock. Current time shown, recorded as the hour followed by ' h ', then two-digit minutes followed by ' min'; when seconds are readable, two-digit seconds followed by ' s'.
7 h 53 min
